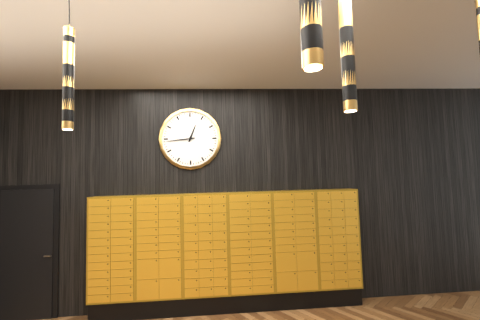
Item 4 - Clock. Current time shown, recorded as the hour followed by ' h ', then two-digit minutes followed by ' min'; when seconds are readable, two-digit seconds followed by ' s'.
12 h 44 min
